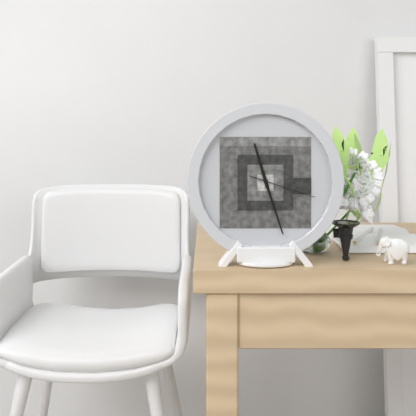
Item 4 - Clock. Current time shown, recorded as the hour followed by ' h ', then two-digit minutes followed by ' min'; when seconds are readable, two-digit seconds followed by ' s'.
11 h 27 min 18 s
